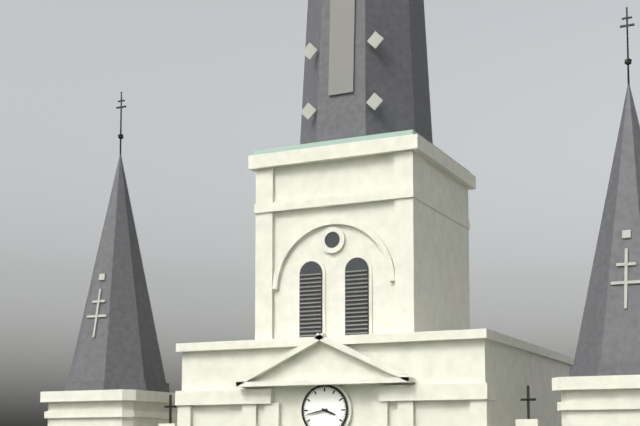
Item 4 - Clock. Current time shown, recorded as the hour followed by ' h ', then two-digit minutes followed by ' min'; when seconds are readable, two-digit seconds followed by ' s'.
3 h 43 min
